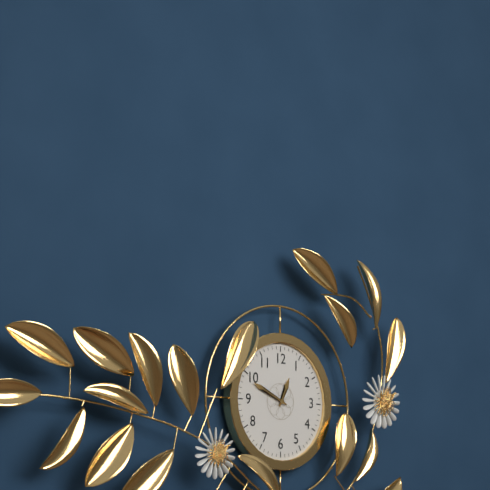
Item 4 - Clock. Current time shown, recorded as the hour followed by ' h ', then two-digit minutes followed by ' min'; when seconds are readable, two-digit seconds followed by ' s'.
12 h 49 min
